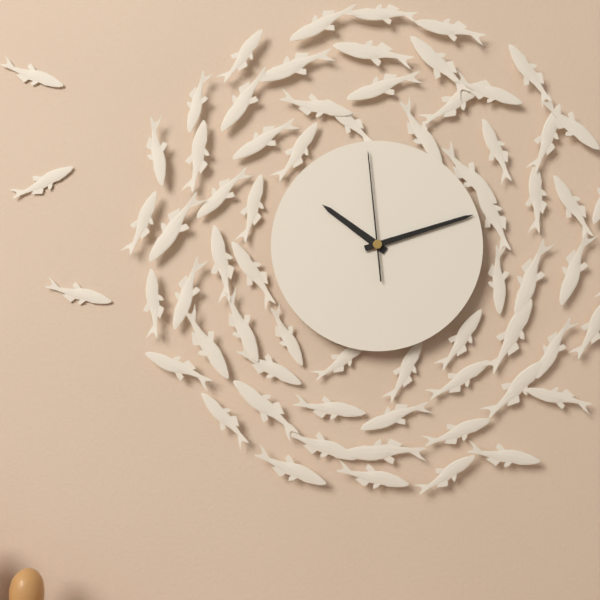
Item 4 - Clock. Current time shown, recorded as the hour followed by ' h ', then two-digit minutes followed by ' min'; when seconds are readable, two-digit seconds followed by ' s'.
10 h 12 min 59 s
